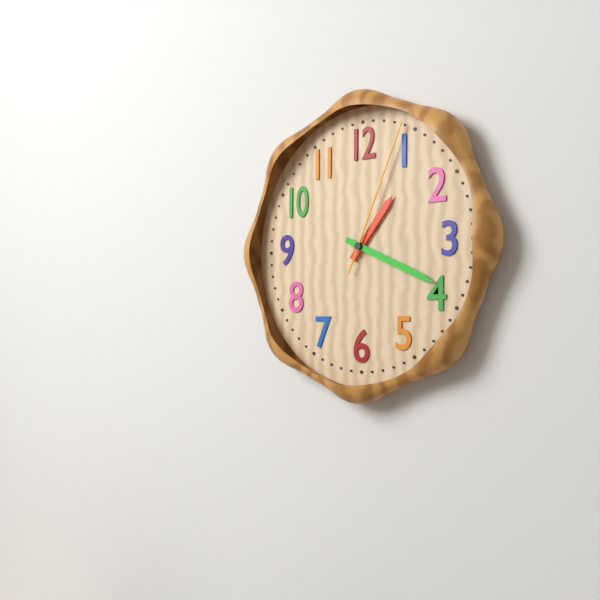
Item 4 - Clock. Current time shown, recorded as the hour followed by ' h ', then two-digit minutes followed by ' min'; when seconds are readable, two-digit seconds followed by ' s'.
1 h 19 min 04 s
